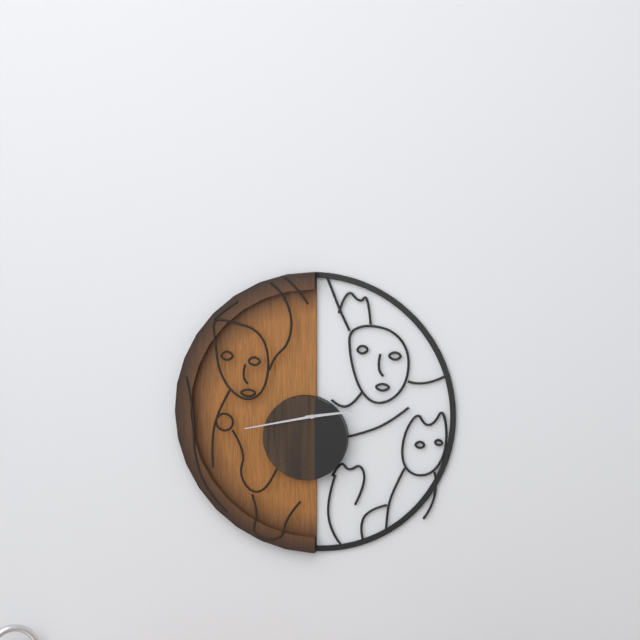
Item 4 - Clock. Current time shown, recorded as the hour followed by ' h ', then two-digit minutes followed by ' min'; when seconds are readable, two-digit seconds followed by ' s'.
2 h 43 min
